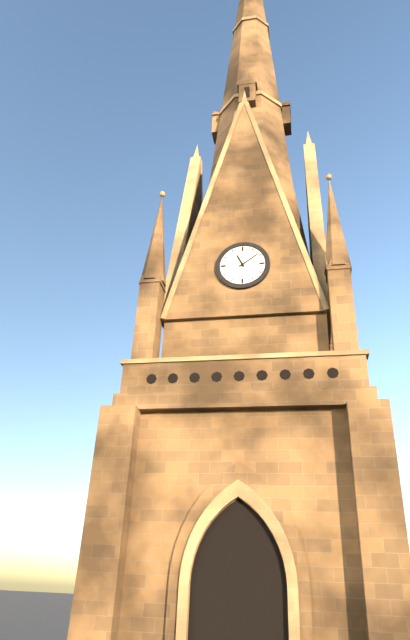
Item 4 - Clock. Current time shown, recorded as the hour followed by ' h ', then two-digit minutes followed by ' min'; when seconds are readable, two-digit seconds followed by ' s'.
11 h 09 min
